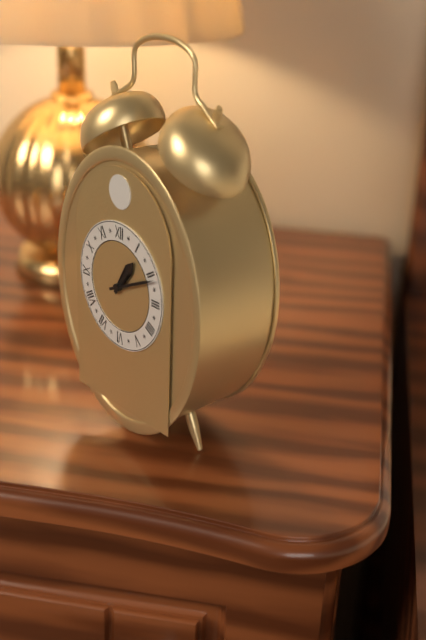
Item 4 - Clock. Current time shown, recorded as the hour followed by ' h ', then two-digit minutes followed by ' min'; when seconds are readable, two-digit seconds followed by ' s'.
1 h 11 min
